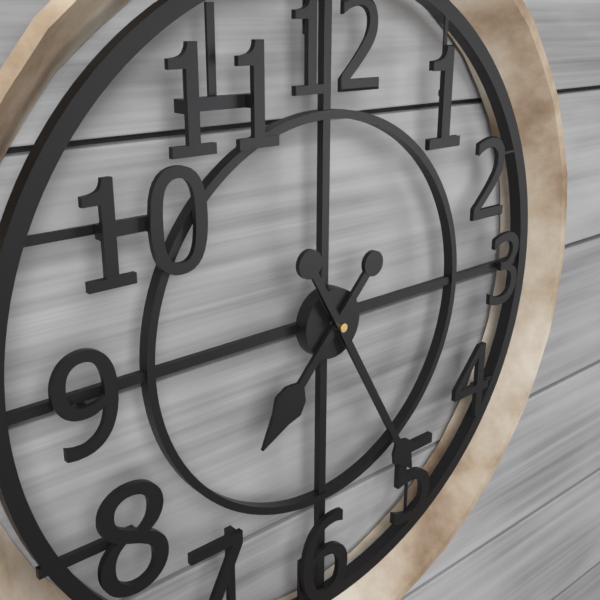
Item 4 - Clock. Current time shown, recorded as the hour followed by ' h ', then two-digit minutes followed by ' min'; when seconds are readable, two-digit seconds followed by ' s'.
7 h 25 min
